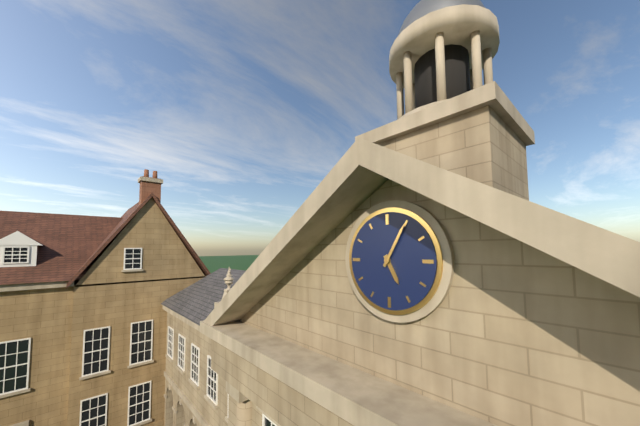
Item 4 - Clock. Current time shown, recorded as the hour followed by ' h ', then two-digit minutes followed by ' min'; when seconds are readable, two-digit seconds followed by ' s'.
5 h 05 min
